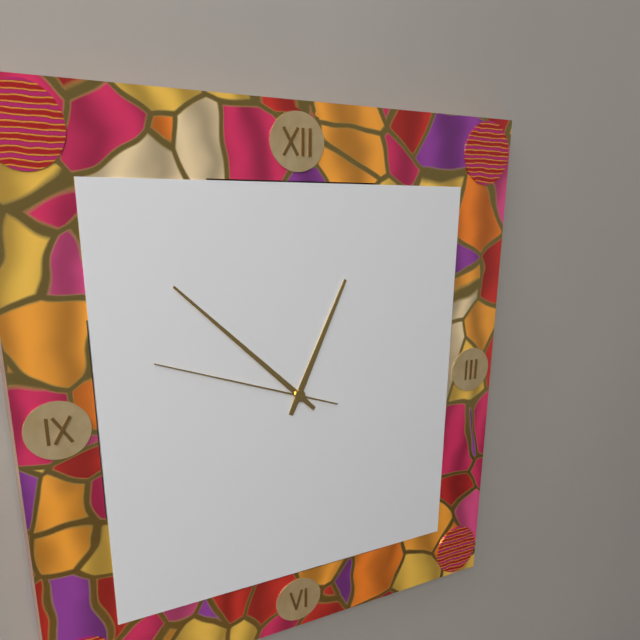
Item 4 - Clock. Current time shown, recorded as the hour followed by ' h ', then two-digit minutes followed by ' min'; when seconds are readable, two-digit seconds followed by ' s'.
12 h 52 min 48 s
